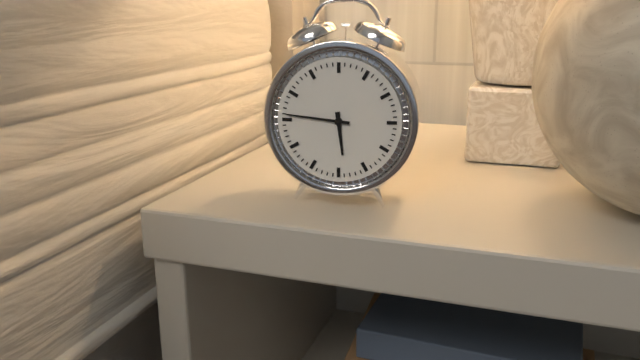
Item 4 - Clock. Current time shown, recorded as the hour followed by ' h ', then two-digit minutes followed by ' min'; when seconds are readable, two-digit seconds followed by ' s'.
5 h 46 min
